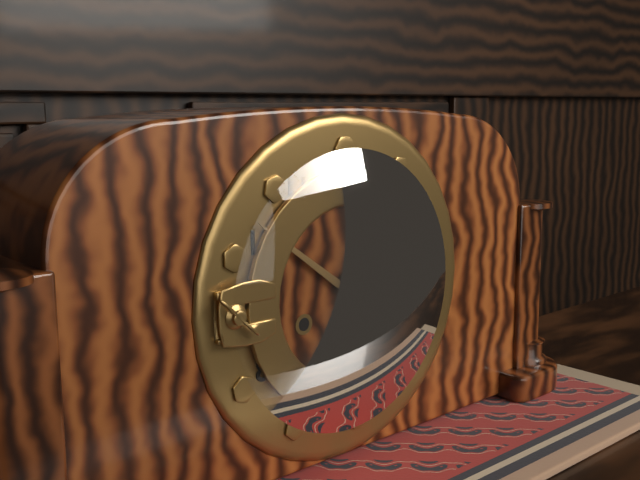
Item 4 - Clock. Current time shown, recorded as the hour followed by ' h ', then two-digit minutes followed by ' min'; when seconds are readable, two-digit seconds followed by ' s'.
5 h 51 min
